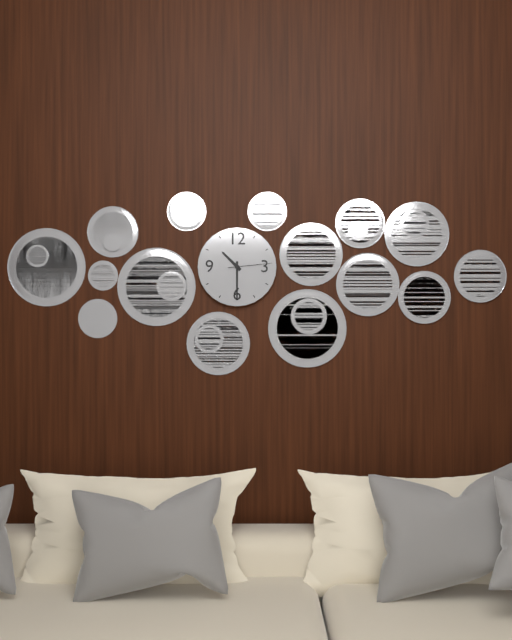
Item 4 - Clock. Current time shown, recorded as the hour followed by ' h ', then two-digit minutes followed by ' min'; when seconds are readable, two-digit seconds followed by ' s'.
10 h 30 min
